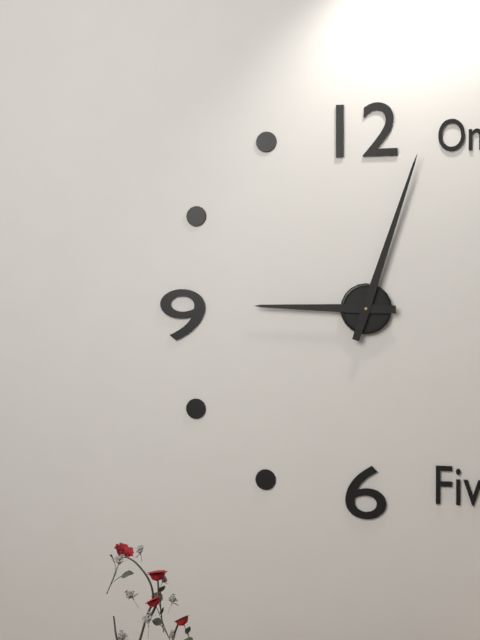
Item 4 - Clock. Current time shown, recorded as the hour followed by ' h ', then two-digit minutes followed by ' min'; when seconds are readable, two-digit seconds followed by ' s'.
9 h 03 min
